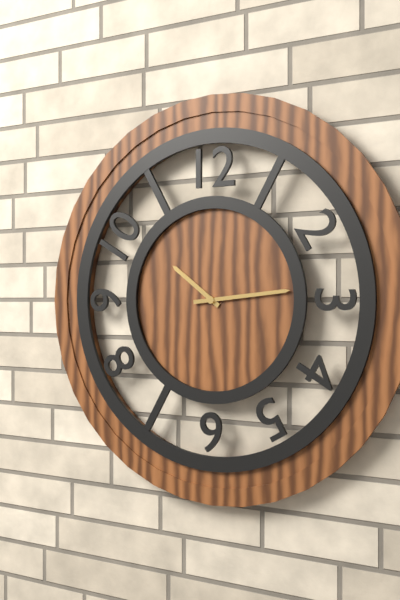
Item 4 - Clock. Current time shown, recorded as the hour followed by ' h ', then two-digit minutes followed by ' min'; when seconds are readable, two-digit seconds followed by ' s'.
10 h 14 min
